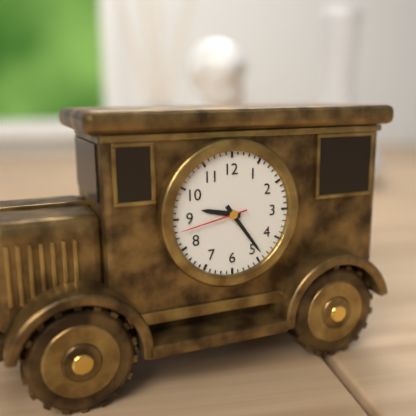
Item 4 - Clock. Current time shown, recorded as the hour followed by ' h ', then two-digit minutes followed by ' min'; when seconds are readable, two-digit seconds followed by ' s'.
9 h 24 min 43 s
